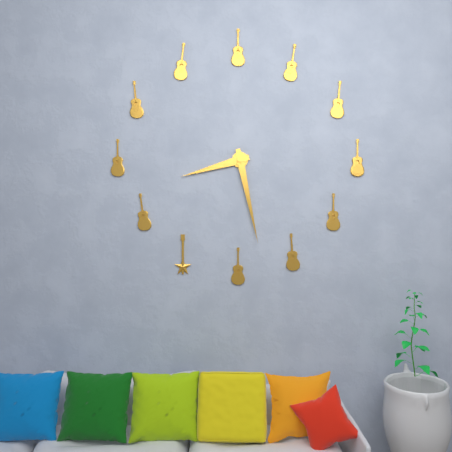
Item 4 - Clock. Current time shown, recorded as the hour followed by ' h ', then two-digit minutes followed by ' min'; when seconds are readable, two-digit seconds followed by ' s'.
8 h 28 min
